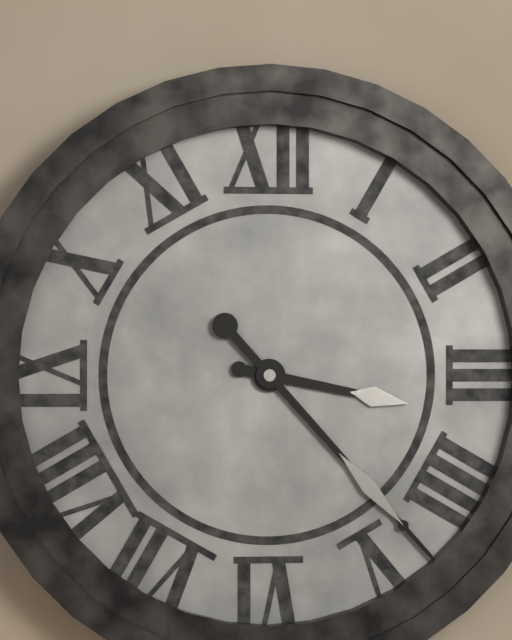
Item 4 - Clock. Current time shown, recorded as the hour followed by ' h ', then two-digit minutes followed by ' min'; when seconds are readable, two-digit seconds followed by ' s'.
3 h 23 min
